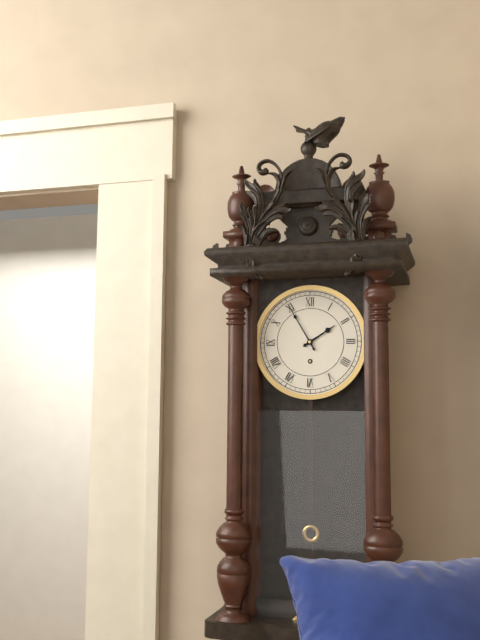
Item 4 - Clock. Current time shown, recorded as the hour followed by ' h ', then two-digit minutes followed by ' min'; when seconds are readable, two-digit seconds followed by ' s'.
1 h 55 min
